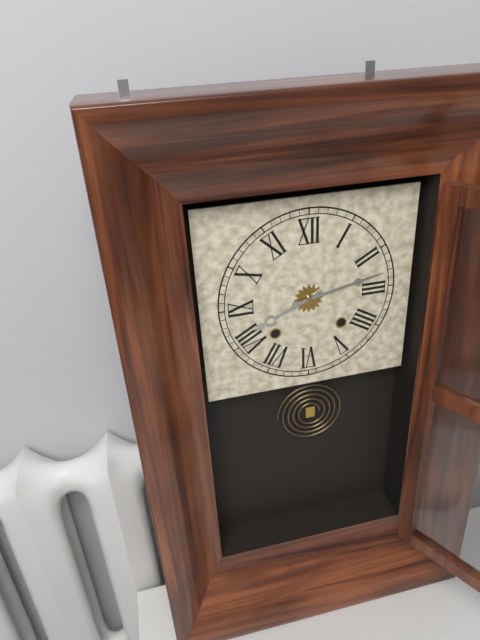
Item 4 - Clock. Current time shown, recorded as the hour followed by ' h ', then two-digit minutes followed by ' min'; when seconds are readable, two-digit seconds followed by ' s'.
8 h 13 min
